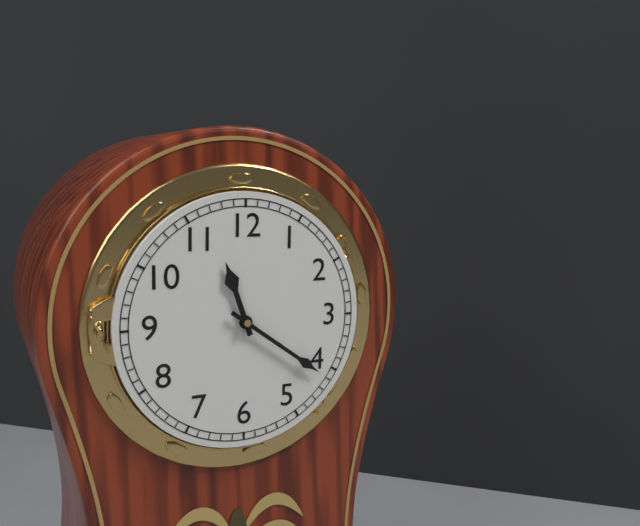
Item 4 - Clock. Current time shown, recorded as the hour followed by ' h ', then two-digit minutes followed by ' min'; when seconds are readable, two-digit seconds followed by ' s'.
11 h 21 min
